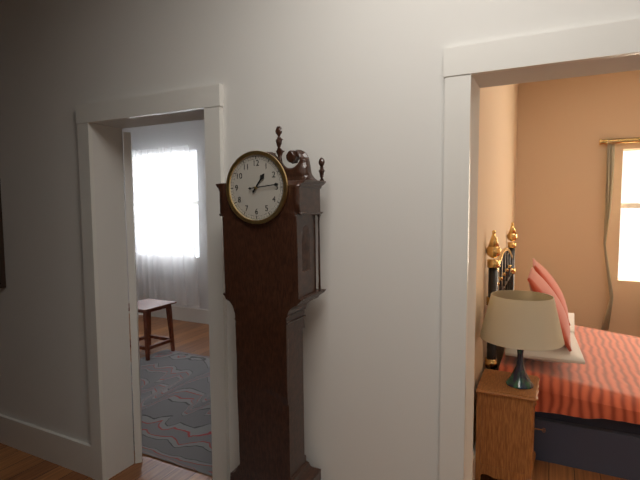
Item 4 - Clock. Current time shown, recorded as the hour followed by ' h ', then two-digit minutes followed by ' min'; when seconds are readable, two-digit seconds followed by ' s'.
1 h 14 min
